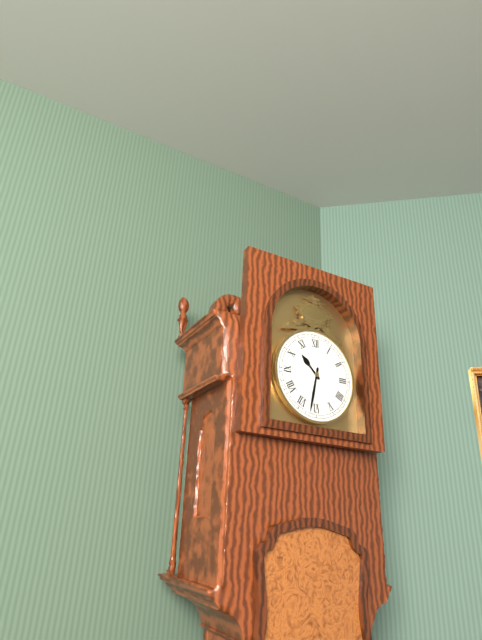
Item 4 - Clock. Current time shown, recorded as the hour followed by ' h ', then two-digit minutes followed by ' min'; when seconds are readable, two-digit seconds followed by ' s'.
10 h 32 min
